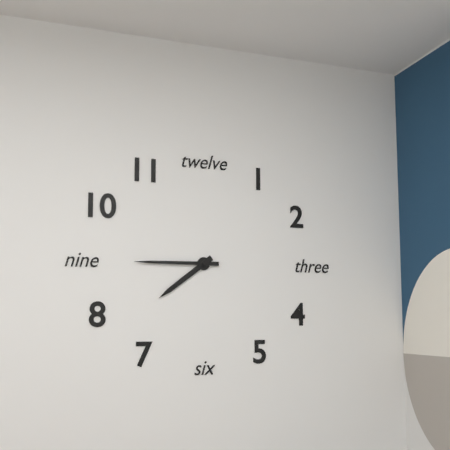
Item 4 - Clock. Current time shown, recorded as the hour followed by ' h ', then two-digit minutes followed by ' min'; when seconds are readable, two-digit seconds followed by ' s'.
7 h 45 min
